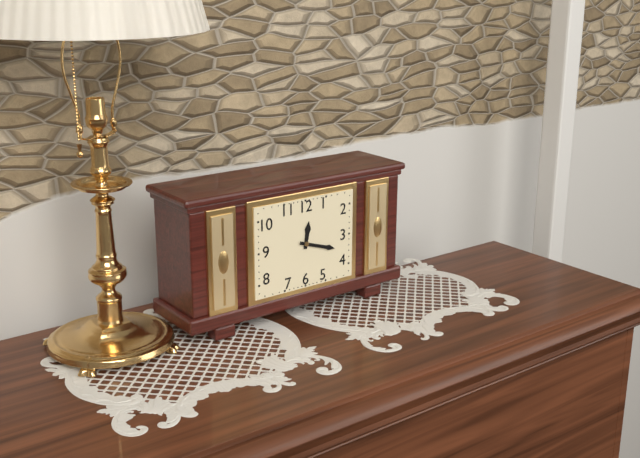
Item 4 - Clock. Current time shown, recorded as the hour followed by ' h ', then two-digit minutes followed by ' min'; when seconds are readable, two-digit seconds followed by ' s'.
12 h 18 min
